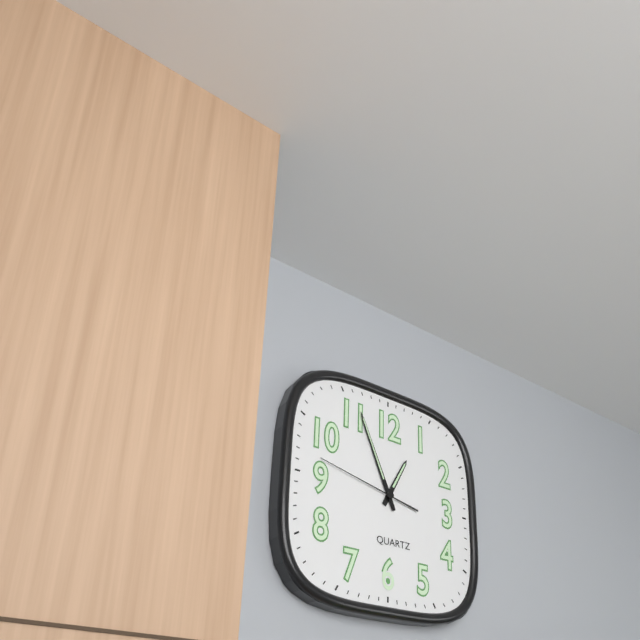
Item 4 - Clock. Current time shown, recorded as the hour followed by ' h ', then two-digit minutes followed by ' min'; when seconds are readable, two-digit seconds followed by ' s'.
12 h 56 min 47 s
